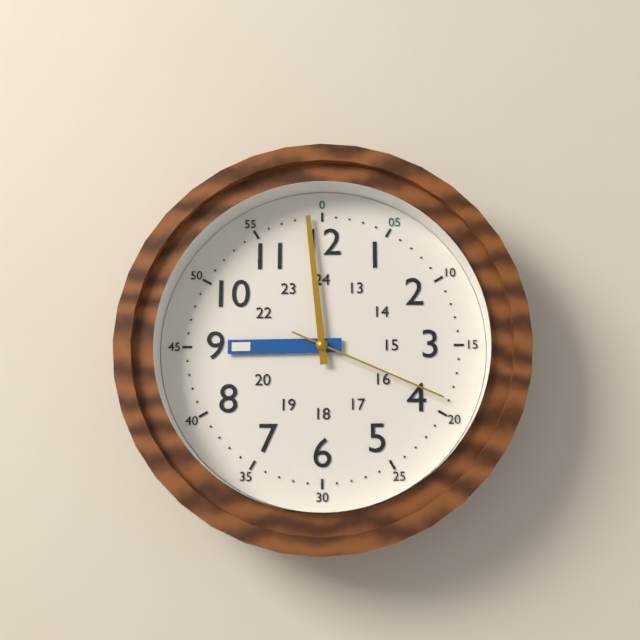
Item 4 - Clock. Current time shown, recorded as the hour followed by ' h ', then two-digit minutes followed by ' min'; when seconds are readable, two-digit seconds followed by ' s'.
8 h 59 min 19 s
